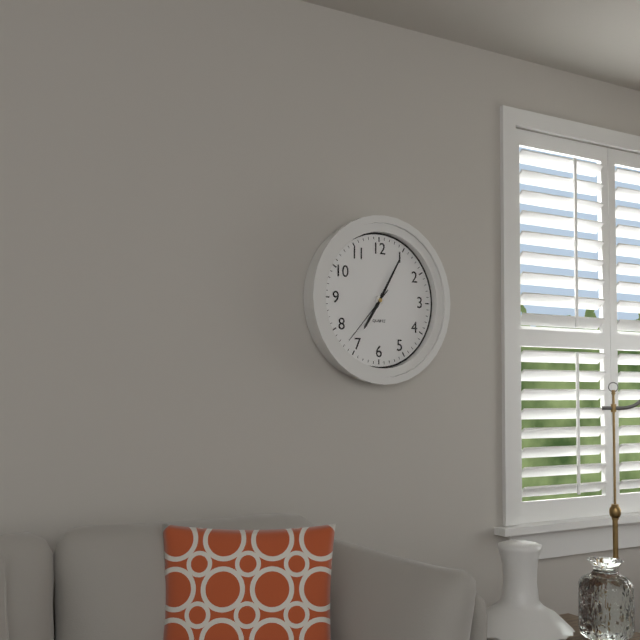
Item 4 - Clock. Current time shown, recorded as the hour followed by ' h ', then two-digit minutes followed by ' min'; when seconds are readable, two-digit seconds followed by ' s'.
7 h 05 min 37 s
